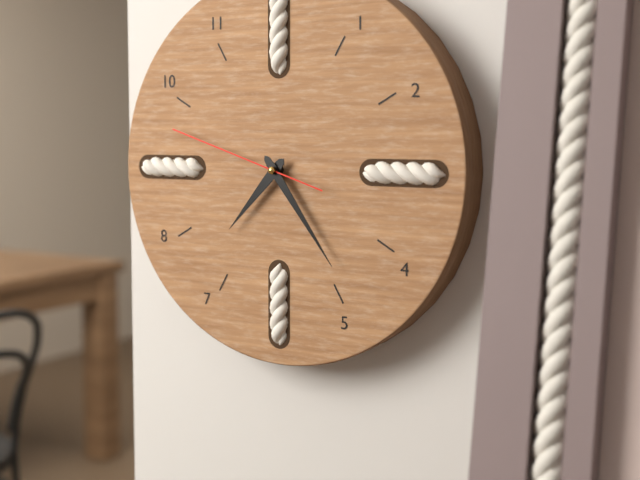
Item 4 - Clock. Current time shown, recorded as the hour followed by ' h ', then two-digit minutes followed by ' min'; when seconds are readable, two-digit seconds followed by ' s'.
7 h 24 min 48 s
